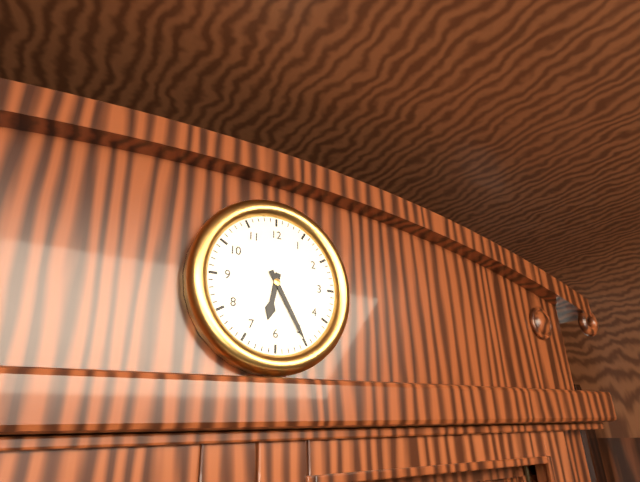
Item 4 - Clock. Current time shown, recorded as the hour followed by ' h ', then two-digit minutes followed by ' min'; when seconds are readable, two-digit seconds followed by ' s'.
6 h 25 min
